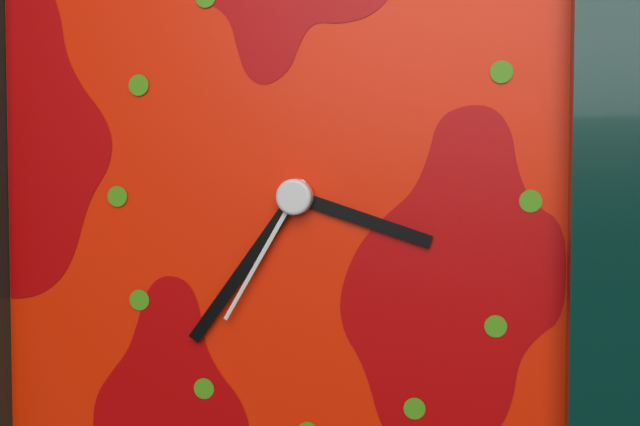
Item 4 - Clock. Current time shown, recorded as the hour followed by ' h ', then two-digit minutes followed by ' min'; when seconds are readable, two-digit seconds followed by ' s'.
3 h 36 min 35 s
